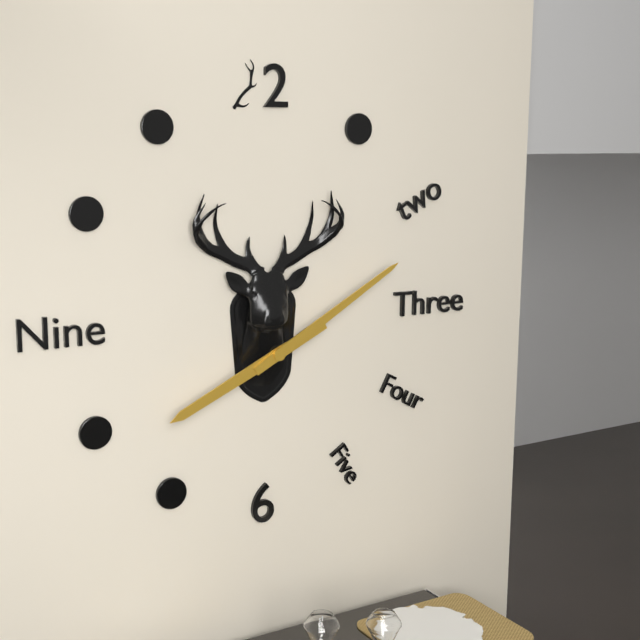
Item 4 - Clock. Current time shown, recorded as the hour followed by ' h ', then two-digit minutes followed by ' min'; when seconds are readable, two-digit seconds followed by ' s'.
8 h 10 min
